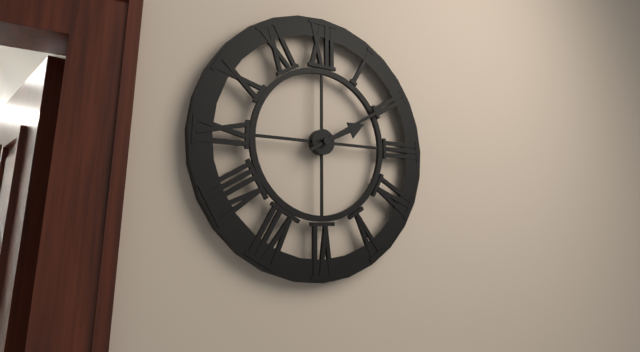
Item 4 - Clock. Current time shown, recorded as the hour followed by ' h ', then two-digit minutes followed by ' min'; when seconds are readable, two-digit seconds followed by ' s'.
2 h 10 min
